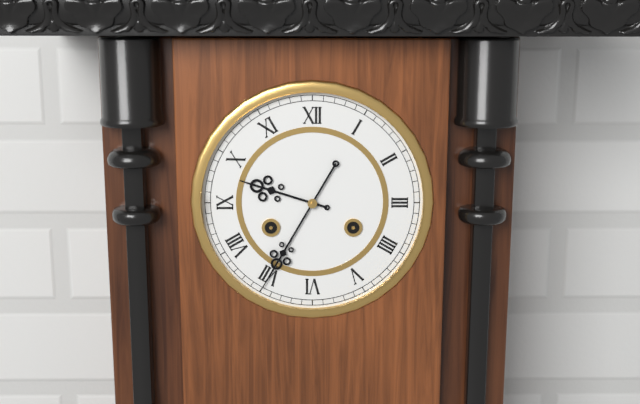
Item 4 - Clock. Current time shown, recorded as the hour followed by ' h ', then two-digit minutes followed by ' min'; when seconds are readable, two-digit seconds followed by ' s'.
9 h 35 min
